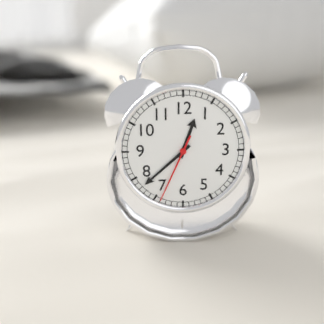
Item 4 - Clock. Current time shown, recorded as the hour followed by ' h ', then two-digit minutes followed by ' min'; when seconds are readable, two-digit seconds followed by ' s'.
12 h 38 min 34 s
